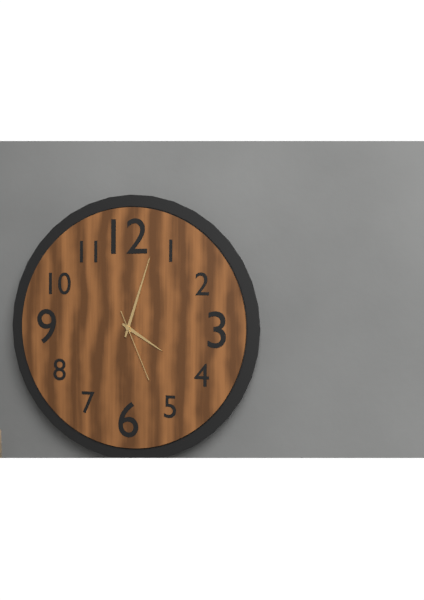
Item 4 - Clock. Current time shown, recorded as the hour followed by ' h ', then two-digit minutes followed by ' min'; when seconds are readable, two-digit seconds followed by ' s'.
4 h 03 min 26 s
